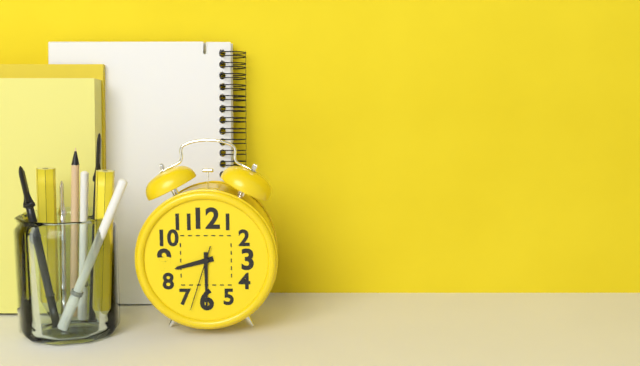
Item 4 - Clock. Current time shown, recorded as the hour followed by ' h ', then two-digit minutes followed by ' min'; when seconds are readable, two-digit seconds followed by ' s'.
8 h 30 min 33 s
